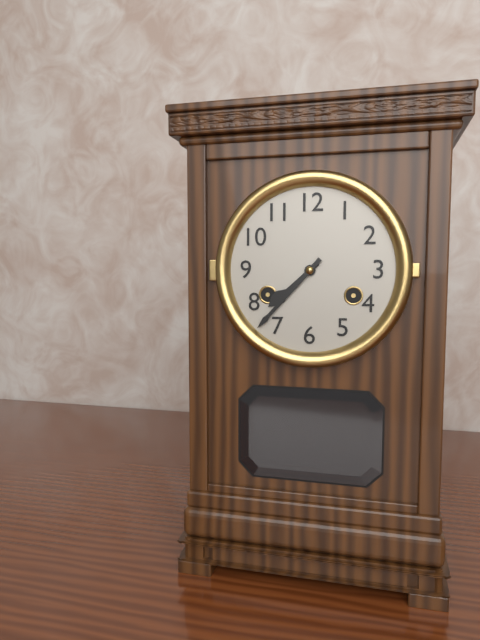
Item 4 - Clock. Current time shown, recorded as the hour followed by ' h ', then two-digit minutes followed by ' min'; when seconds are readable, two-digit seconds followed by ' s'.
7 h 37 min
